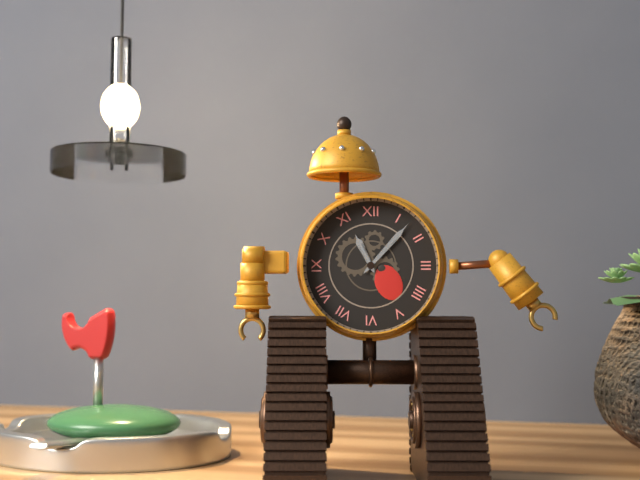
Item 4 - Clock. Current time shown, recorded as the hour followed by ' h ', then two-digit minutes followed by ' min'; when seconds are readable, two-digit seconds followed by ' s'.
11 h 07 min
